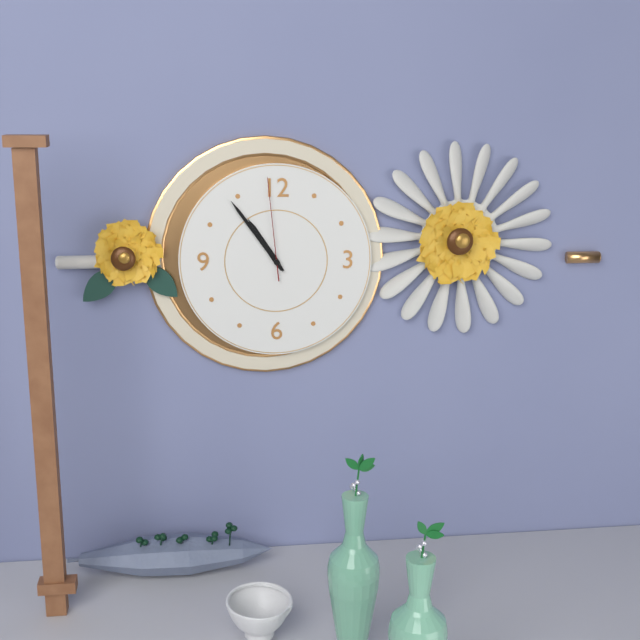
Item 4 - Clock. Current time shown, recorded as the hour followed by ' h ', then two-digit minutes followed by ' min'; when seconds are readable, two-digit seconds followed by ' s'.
10 h 54 min 59 s
